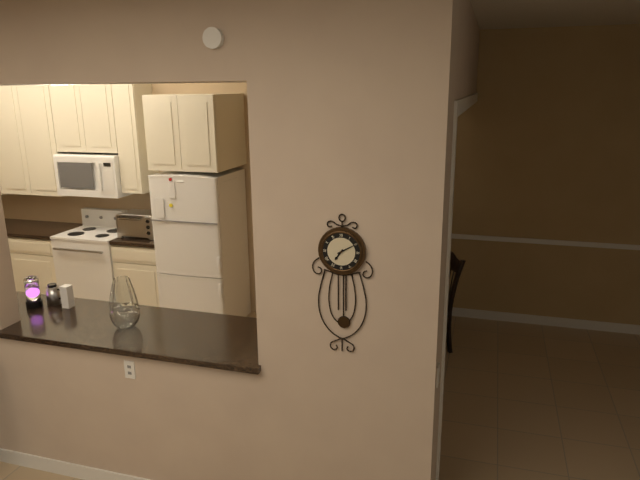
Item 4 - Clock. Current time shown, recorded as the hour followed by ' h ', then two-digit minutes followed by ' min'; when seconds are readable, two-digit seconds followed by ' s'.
7 h 10 min
